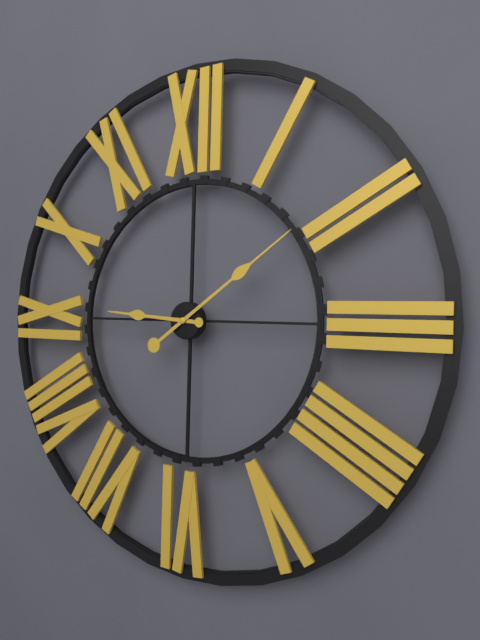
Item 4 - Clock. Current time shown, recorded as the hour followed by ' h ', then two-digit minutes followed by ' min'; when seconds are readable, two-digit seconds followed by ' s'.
9 h 09 min
